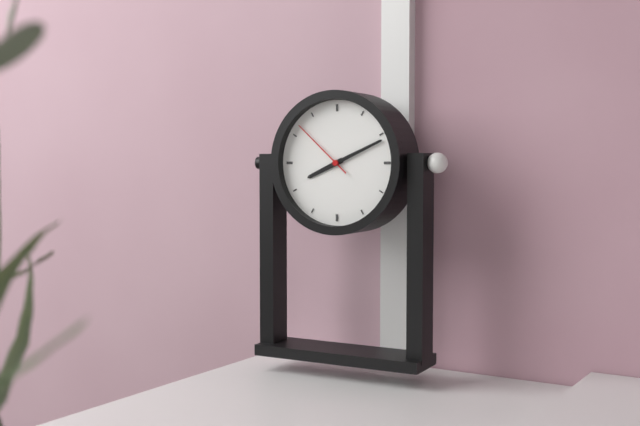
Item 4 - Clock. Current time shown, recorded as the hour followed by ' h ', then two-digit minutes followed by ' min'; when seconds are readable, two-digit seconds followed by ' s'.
8 h 11 min 52 s
